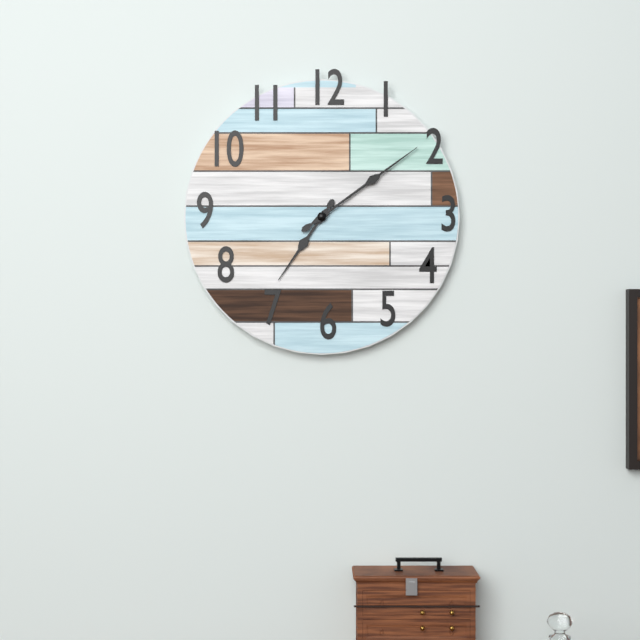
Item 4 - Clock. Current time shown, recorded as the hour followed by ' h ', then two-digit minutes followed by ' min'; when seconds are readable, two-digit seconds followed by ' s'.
7 h 09 min
